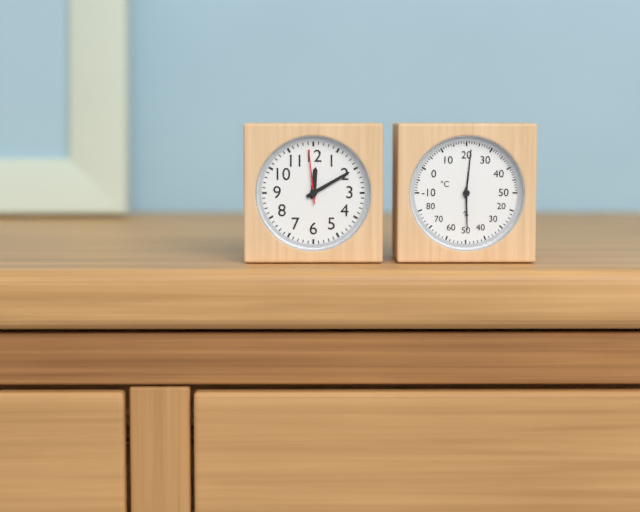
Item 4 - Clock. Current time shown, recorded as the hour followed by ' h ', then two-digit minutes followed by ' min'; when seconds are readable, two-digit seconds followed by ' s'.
12 h 10 min 59 s
